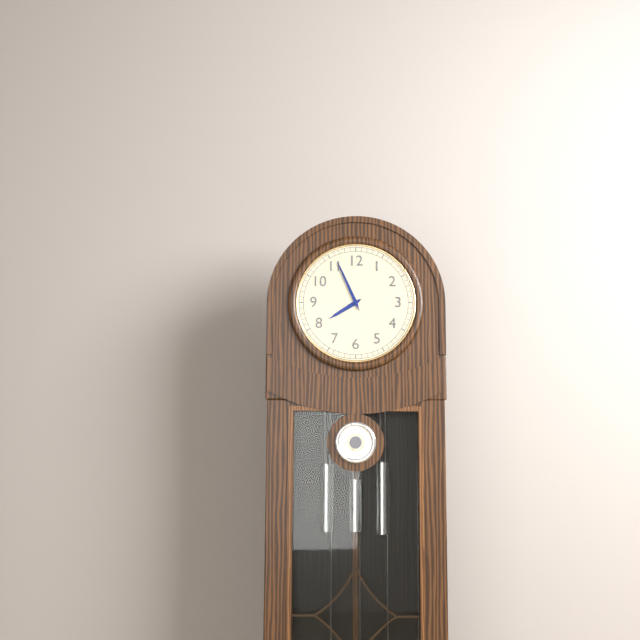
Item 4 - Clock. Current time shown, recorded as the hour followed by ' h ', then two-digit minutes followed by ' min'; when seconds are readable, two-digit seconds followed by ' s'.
7 h 56 min
